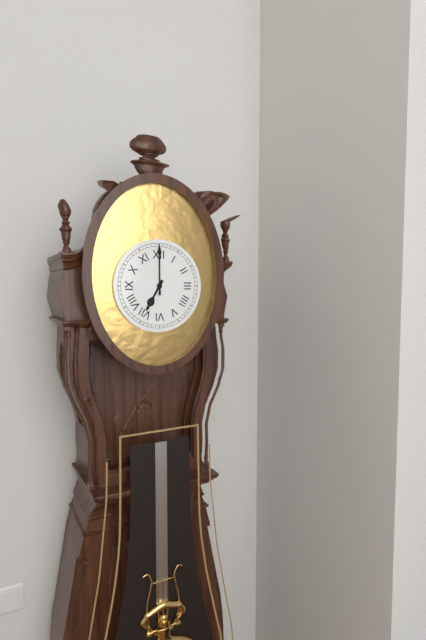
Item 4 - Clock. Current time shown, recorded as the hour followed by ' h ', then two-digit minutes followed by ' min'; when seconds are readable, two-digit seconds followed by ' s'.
7 h 00 min
